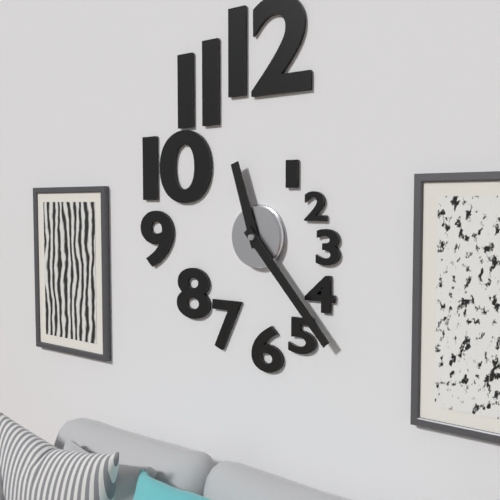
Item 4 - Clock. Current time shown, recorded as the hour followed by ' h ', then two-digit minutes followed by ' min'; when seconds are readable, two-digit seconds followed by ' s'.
11 h 23 min
